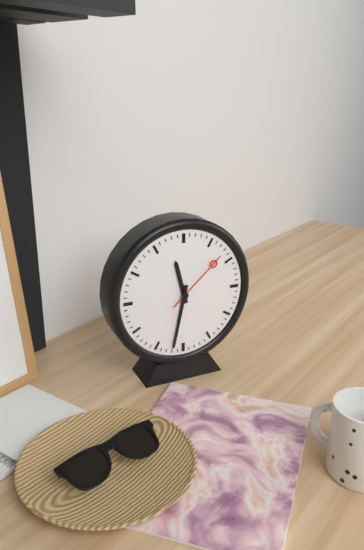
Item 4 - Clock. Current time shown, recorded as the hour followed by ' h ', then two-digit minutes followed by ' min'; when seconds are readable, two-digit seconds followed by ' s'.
11 h 32 min 08 s
